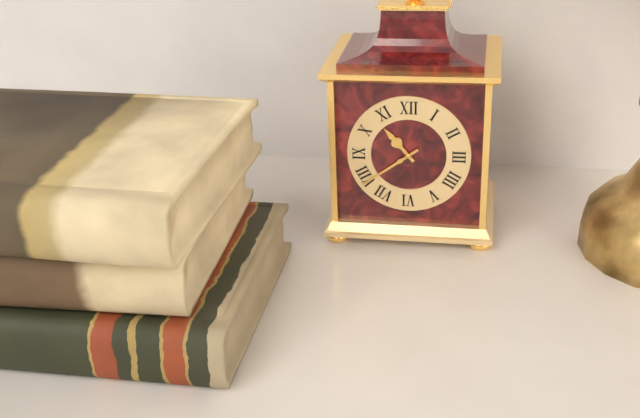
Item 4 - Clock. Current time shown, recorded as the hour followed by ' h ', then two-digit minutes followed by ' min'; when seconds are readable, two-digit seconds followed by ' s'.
10 h 39 min
